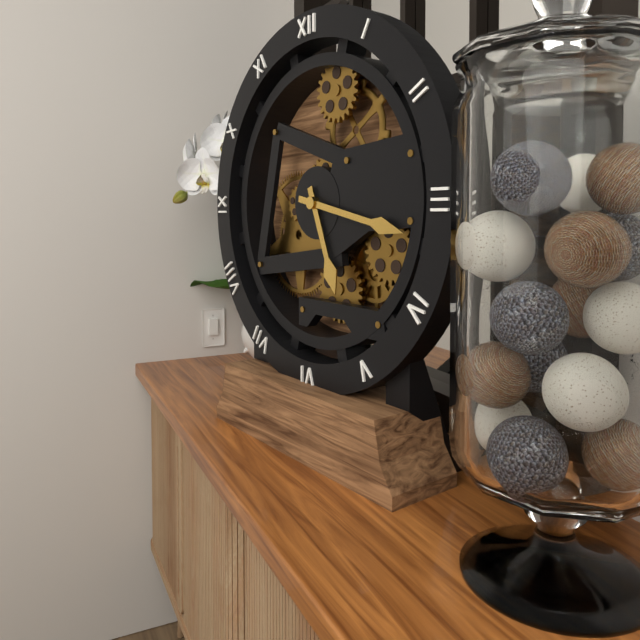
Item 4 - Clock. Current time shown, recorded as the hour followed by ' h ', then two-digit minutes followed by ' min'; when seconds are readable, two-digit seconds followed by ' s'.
5 h 17 min
